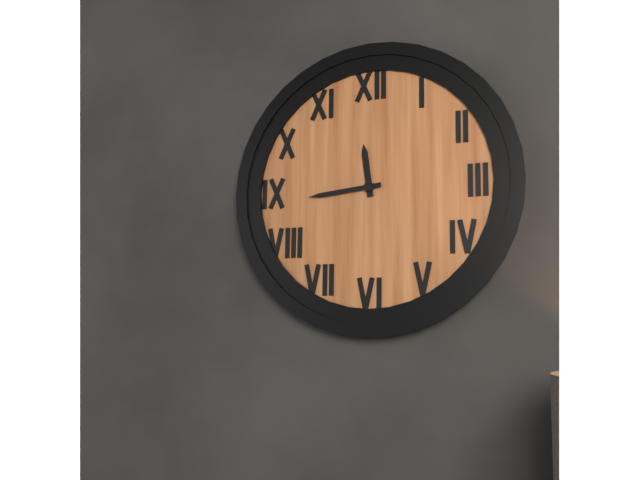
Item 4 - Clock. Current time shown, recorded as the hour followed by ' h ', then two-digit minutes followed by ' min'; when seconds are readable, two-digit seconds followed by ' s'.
11 h 44 min
